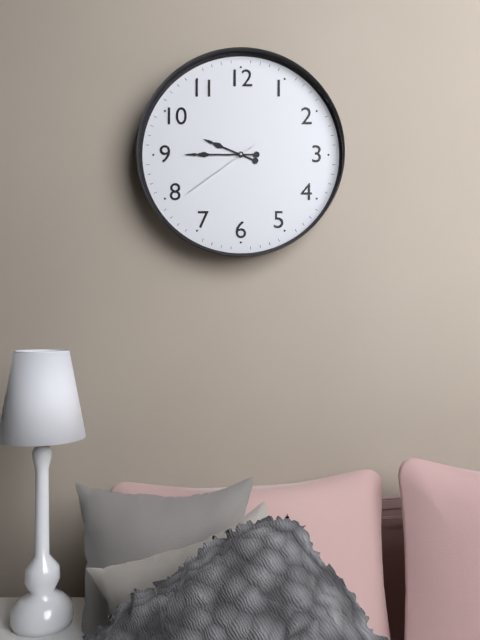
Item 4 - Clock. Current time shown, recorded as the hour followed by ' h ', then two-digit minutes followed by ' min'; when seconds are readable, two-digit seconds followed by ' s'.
9 h 45 min 39 s
